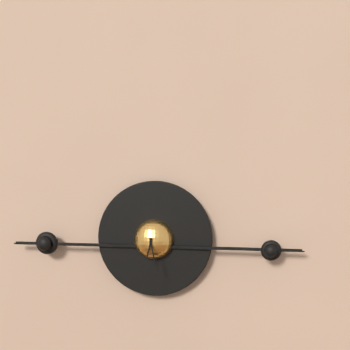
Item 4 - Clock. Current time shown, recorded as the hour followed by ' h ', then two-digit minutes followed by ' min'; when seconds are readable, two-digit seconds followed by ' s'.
6 h 28 min
